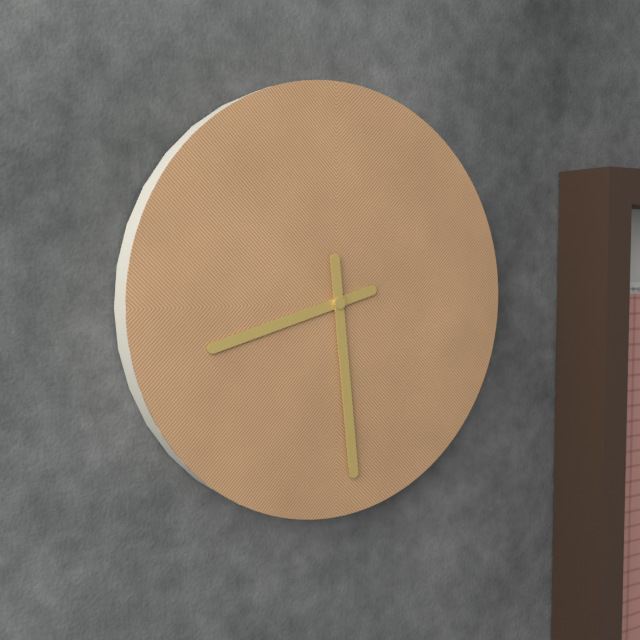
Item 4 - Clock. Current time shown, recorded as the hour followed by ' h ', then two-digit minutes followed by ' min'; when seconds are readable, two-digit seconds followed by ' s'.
8 h 29 min
